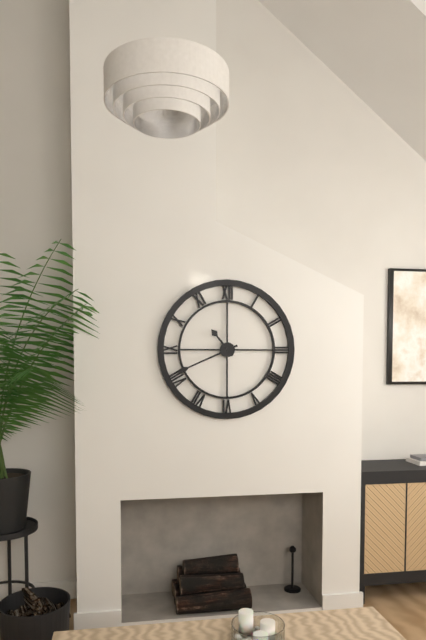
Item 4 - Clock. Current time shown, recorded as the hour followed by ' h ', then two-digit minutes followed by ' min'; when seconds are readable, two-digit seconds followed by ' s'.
10 h 41 min
